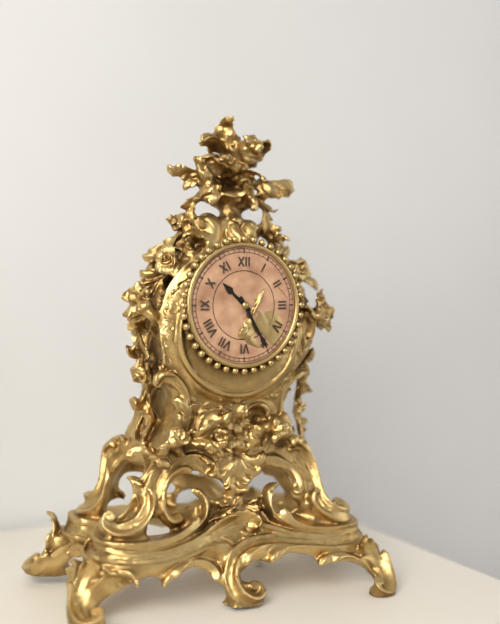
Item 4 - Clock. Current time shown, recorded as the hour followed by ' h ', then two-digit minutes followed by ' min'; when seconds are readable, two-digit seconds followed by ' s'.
10 h 25 min
